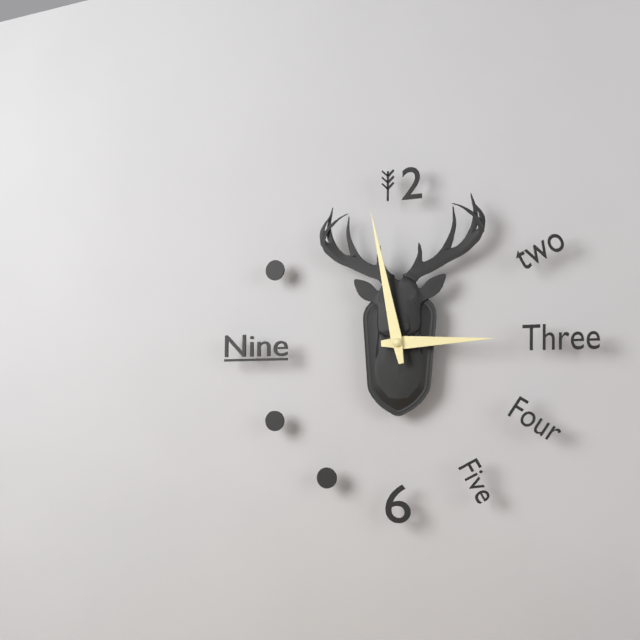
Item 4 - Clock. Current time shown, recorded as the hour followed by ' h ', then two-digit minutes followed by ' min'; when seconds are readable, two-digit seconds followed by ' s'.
2 h 58 min
